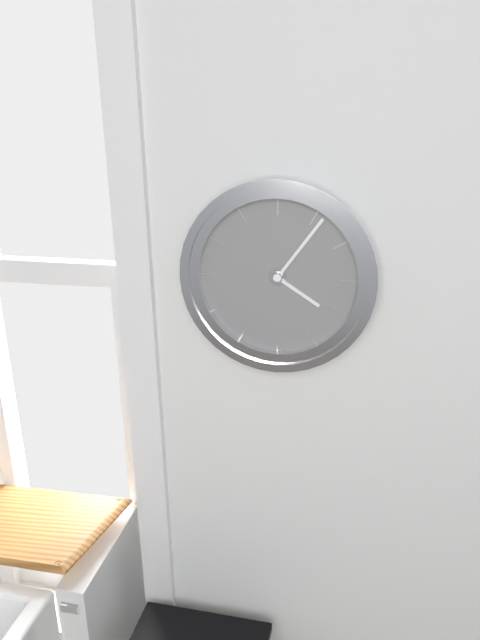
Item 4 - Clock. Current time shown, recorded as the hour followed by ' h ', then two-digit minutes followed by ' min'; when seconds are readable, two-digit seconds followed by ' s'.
4 h 06 min
